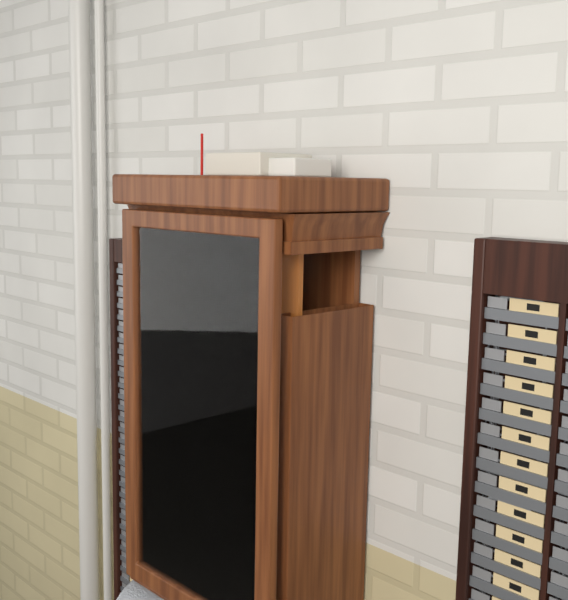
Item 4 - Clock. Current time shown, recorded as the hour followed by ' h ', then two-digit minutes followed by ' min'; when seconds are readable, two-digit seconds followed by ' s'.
11 h 06 min
